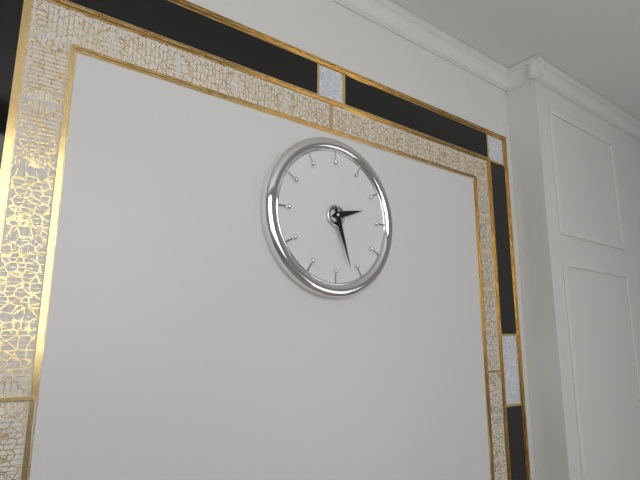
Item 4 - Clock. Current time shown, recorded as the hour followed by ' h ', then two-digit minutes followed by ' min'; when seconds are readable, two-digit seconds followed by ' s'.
2 h 27 min
